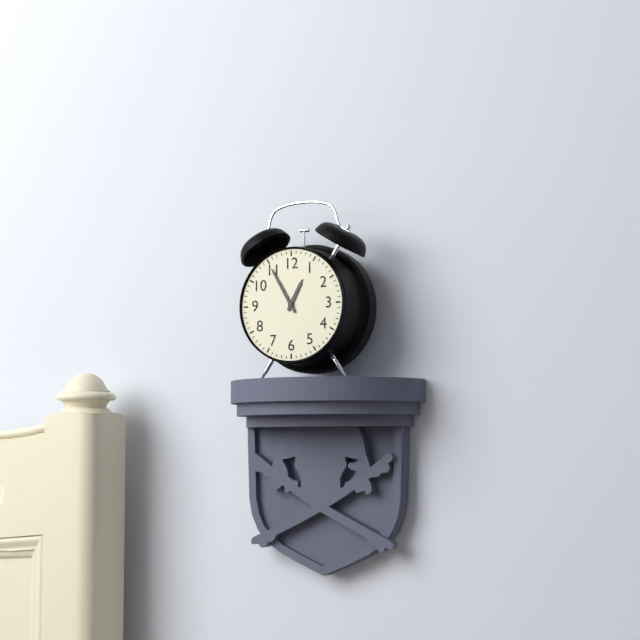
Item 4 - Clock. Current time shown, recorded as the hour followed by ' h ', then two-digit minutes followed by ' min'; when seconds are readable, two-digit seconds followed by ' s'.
12 h 55 min
